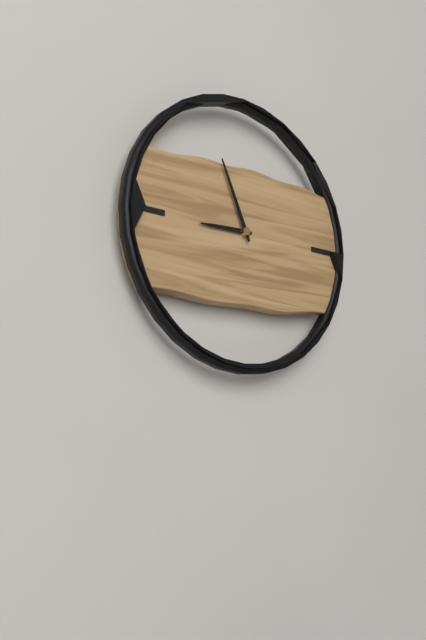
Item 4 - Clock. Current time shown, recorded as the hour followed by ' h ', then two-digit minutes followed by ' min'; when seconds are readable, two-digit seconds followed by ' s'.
8 h 56 min
